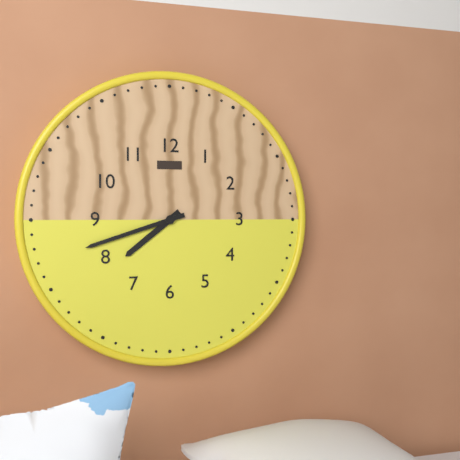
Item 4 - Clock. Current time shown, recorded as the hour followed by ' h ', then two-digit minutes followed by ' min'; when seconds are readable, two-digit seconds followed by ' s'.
7 h 42 min
